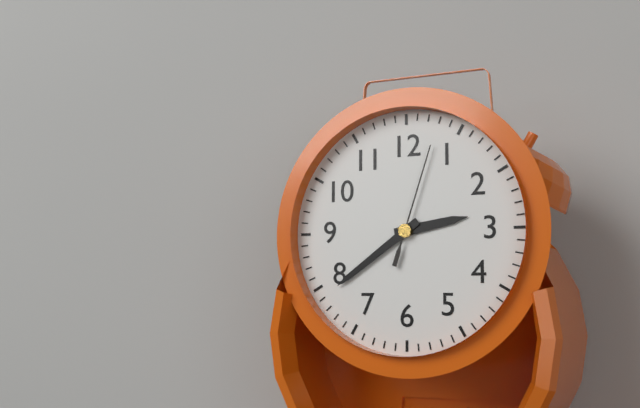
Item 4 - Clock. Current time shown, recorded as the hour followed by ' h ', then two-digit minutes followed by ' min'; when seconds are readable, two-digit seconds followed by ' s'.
2 h 39 min 03 s
